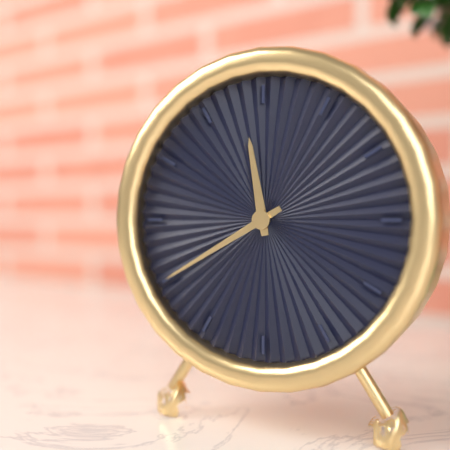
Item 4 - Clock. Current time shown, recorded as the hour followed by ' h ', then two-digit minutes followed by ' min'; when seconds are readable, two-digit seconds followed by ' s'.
11 h 40 min
